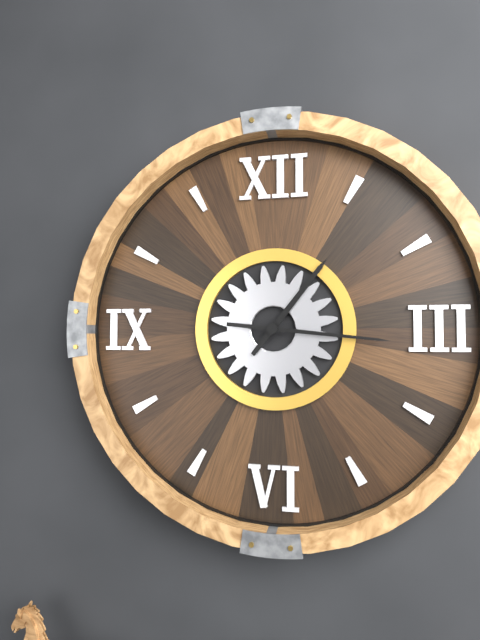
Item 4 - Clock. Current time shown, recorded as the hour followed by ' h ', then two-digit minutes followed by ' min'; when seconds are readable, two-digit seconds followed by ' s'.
1 h 16 min
